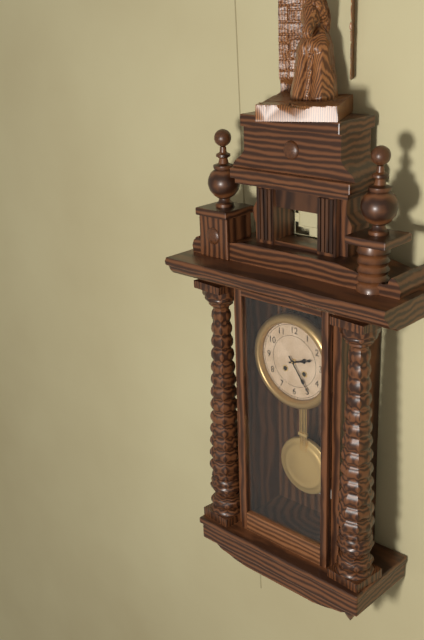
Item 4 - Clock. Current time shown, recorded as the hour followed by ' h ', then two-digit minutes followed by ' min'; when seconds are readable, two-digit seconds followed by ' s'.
2 h 24 min
